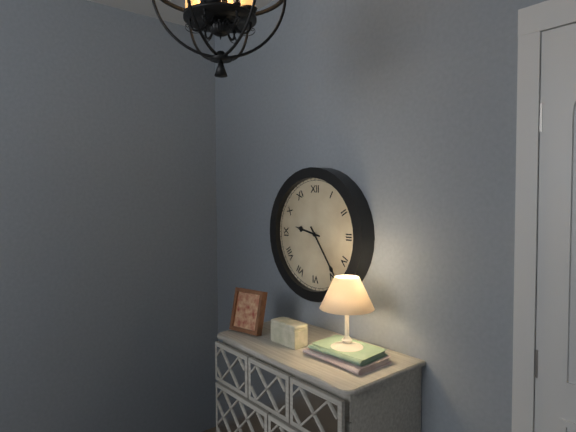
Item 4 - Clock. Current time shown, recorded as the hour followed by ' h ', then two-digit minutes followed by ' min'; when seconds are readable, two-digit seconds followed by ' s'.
9 h 24 min
